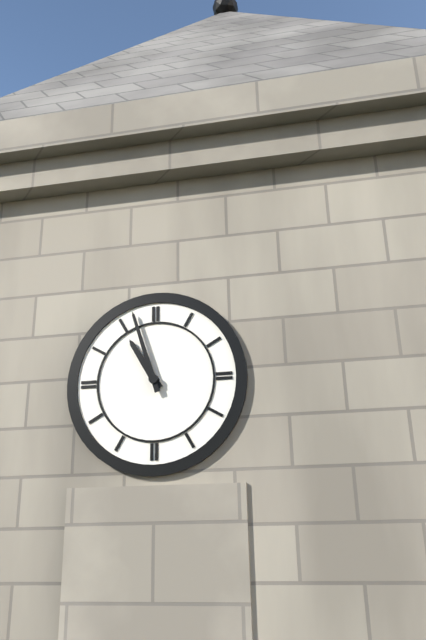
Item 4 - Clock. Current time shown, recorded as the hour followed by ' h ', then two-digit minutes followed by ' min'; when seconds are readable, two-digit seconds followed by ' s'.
10 h 57 min
